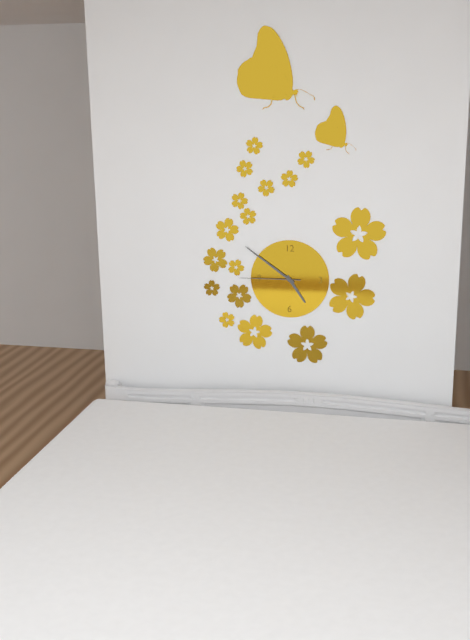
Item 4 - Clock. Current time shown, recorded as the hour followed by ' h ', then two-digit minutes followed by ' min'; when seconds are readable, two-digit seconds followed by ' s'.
4 h 51 min 45 s
